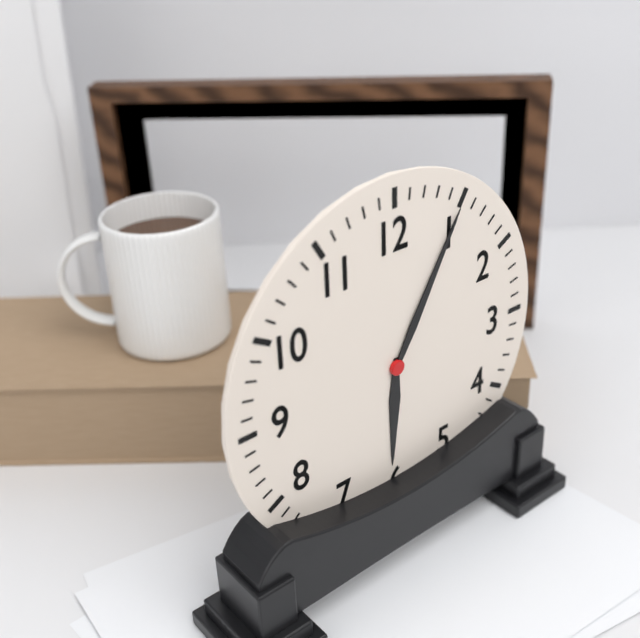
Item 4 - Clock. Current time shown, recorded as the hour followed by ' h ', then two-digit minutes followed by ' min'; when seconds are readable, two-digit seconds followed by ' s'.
6 h 05 min
